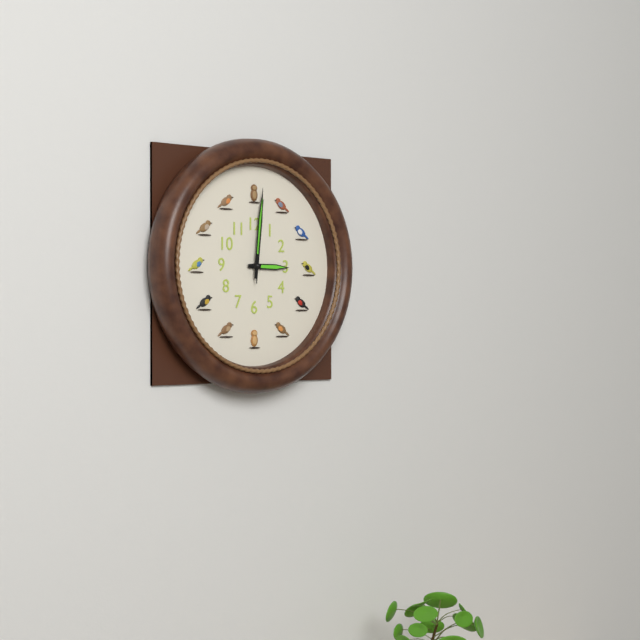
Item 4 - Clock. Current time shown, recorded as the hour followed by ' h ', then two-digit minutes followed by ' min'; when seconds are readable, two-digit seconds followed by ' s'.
3 h 01 min 01 s
